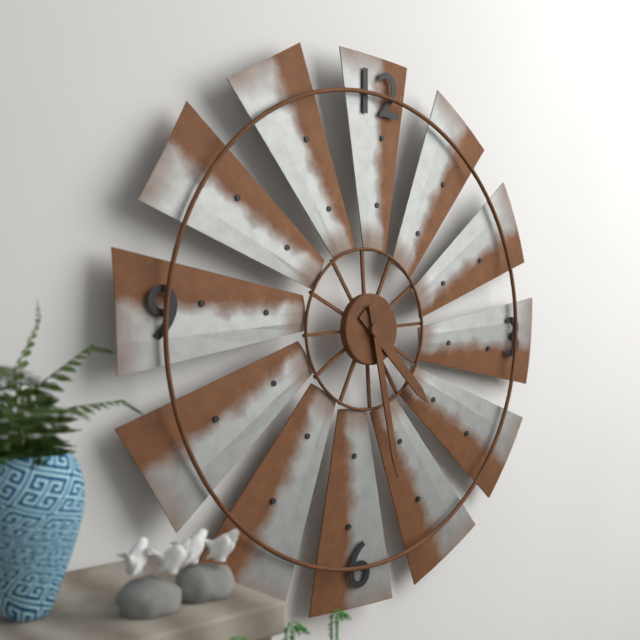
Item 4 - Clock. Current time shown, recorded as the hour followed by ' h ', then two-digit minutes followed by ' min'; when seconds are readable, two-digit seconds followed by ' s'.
4 h 28 min
